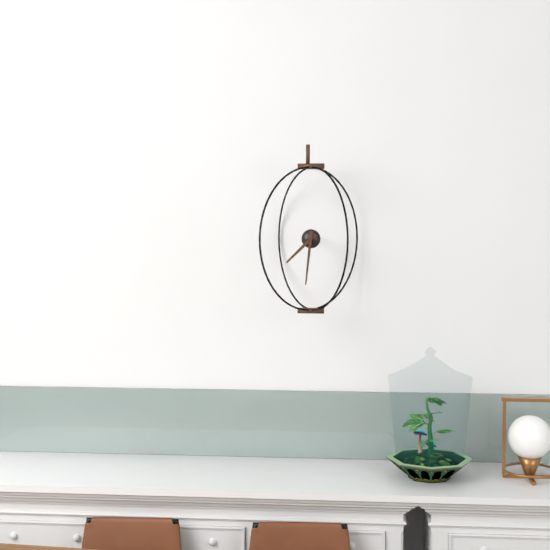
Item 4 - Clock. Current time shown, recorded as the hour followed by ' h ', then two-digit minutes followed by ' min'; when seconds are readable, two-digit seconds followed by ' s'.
7 h 31 min
